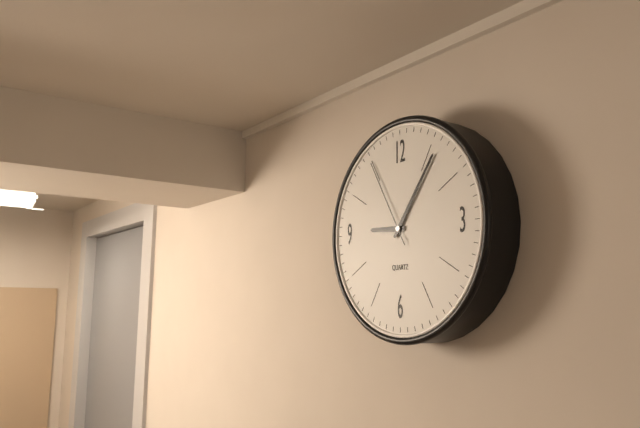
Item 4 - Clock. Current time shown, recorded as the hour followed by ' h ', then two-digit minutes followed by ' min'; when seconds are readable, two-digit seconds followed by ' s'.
9 h 06 min 55 s
